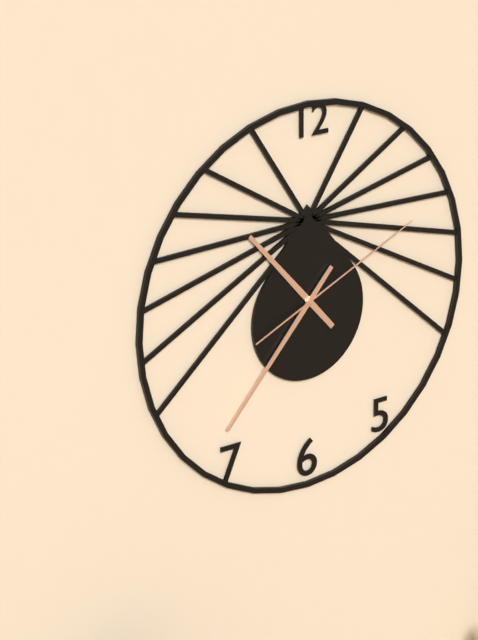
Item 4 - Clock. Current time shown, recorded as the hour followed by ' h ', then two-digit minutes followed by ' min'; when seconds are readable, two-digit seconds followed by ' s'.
10 h 37 min 11 s
